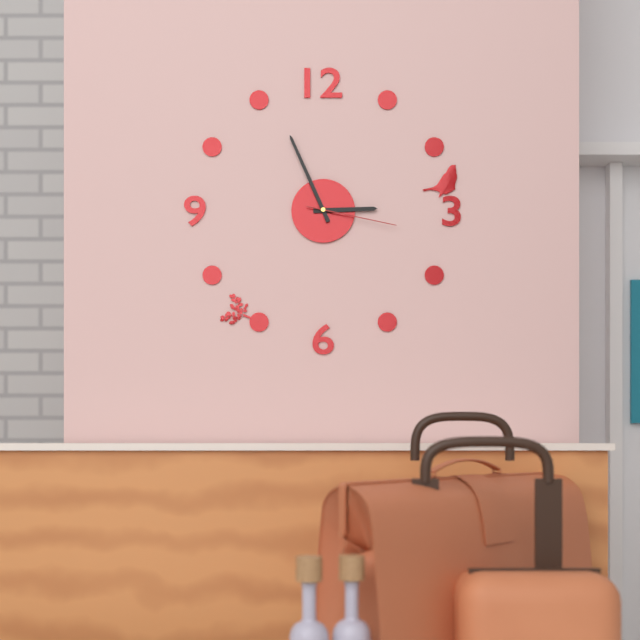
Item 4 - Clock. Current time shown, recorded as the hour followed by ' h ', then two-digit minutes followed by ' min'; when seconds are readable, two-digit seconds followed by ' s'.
2 h 56 min 17 s
